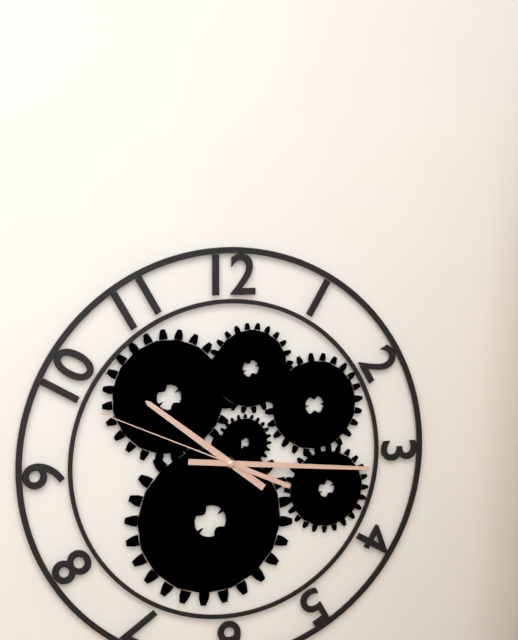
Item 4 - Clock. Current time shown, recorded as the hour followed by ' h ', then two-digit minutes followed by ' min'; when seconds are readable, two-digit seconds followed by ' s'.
10 h 16 min 49 s
